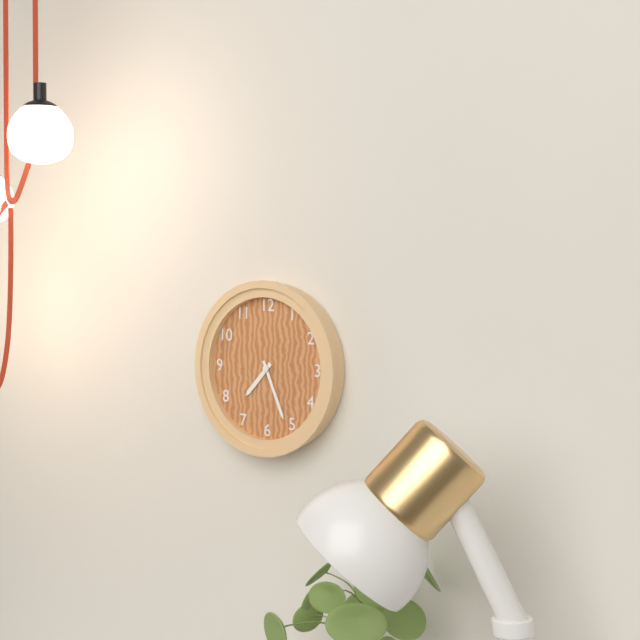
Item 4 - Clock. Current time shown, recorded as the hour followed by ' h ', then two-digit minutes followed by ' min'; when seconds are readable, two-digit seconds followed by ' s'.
7 h 26 min
